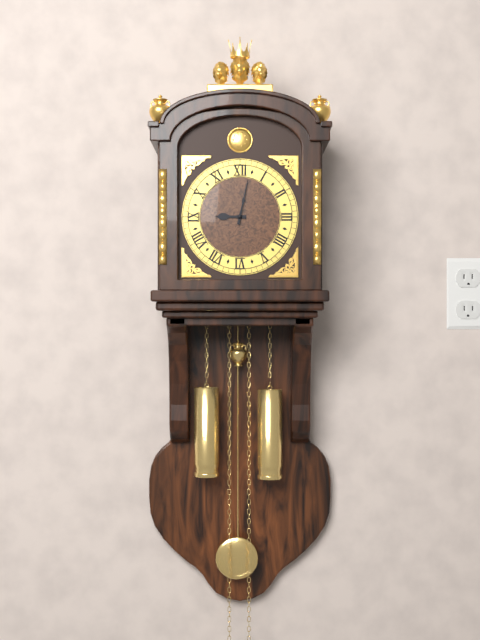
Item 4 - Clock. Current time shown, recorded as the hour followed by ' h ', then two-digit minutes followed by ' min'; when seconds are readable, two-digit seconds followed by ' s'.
9 h 02 min
